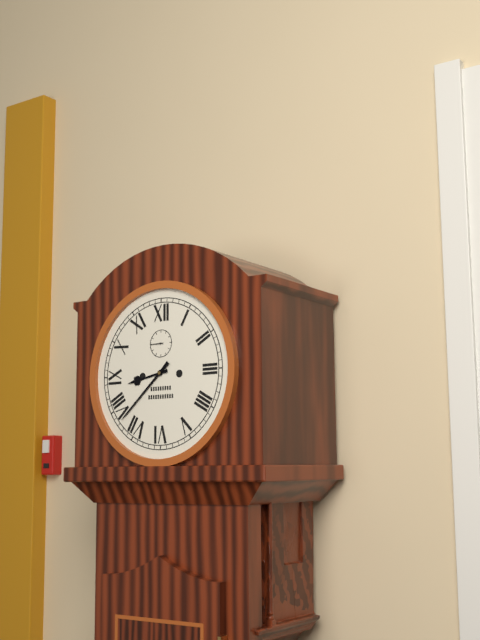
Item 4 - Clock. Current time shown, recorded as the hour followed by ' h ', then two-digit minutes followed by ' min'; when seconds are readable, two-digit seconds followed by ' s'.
8 h 38 min
